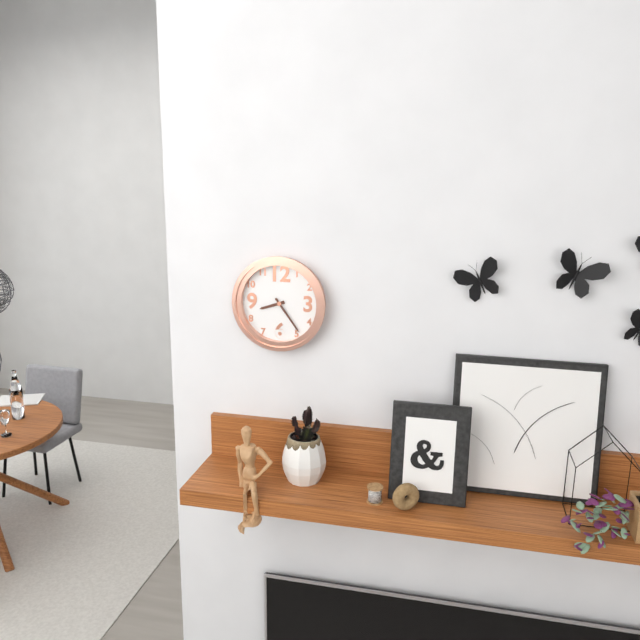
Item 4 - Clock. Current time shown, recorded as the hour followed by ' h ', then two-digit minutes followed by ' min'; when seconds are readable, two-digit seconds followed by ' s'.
8 h 24 min
